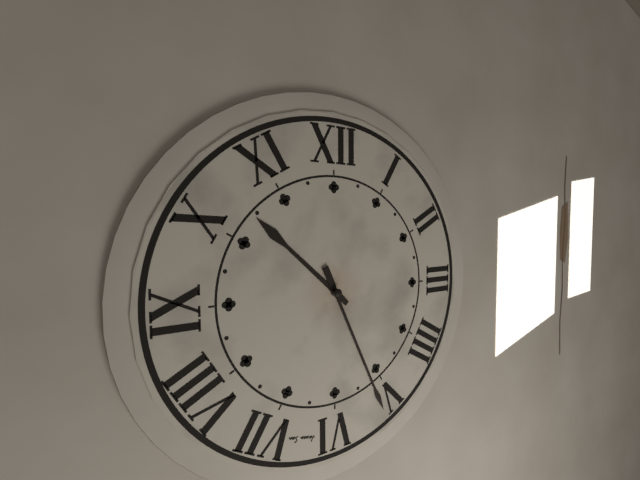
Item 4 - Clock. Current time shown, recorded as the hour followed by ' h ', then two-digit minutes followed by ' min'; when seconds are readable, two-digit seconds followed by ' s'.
10 h 26 min
